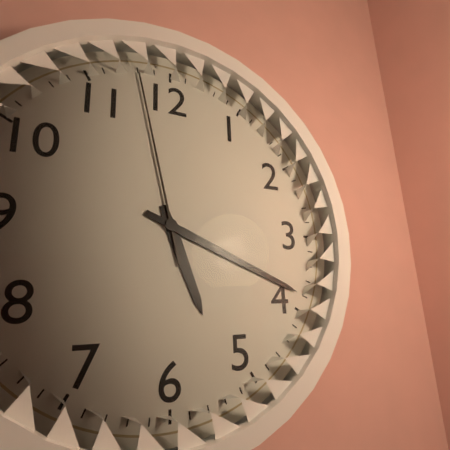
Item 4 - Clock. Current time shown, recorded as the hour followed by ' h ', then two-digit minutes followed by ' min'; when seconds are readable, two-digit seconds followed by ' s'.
5 h 19 min 58 s
